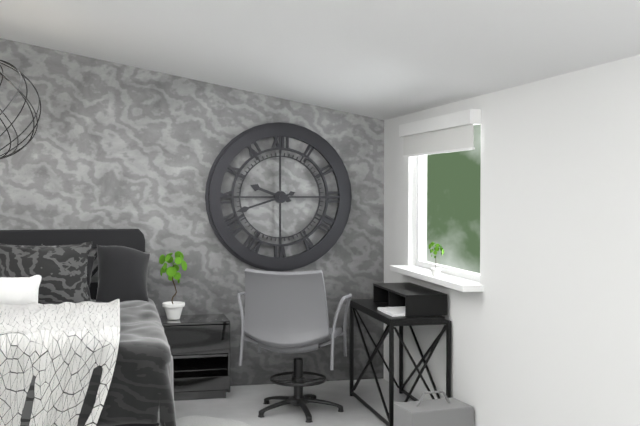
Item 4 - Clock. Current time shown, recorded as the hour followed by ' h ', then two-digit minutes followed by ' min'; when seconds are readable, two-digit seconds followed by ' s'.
9 h 42 min
